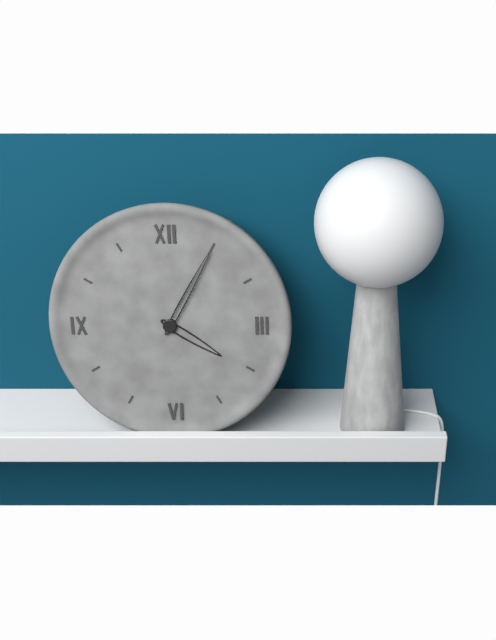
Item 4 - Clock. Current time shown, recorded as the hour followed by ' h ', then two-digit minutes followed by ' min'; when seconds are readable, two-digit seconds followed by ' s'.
4 h 05 min
